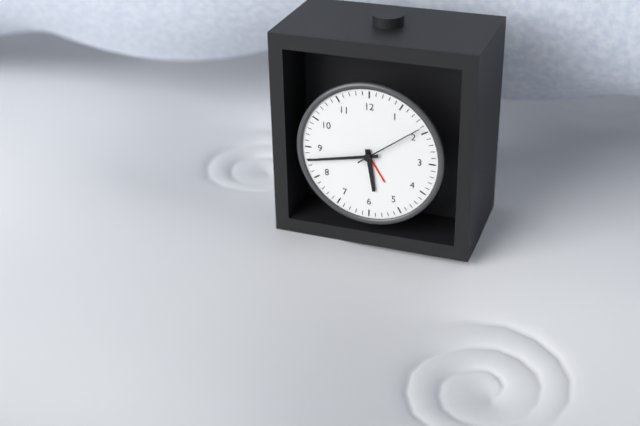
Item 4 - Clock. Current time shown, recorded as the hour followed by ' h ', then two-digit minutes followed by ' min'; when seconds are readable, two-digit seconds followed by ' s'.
5 h 43 min 09 s
